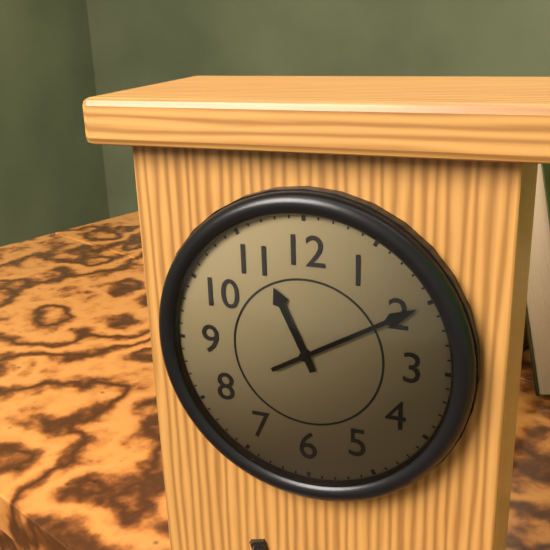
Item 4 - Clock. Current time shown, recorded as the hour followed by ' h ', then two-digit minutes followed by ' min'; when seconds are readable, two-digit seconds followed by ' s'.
11 h 10 min
